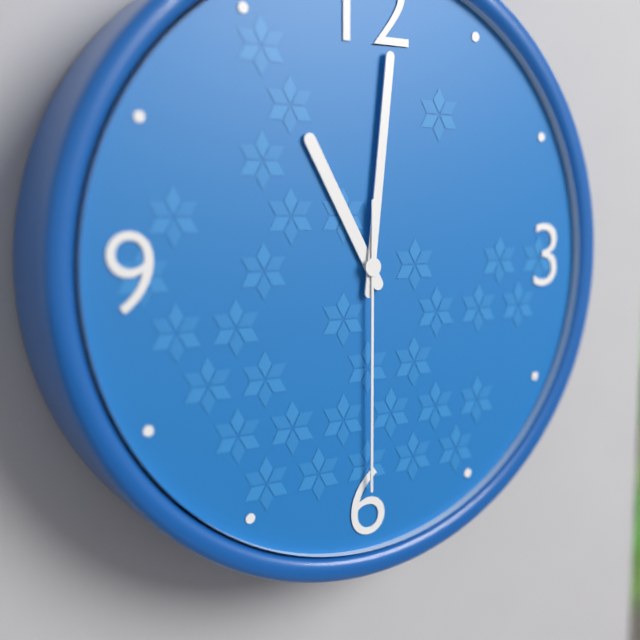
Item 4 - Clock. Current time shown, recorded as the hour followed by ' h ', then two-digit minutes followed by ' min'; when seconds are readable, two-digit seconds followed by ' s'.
11 h 01 min 30 s
